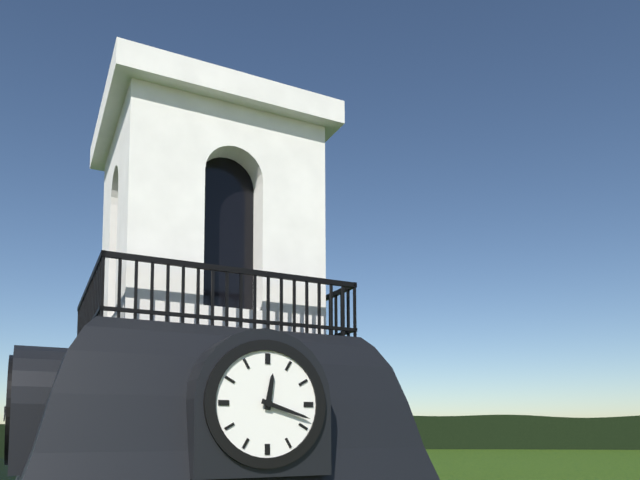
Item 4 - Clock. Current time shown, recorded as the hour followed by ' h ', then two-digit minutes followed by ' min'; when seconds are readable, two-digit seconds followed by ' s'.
12 h 18 min
